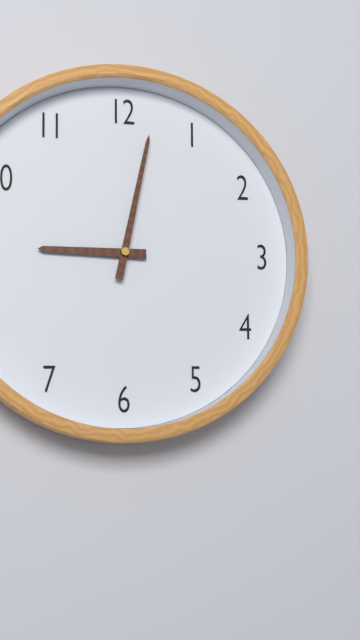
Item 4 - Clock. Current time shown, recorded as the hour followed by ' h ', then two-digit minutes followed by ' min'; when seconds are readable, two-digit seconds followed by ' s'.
9 h 02 min
